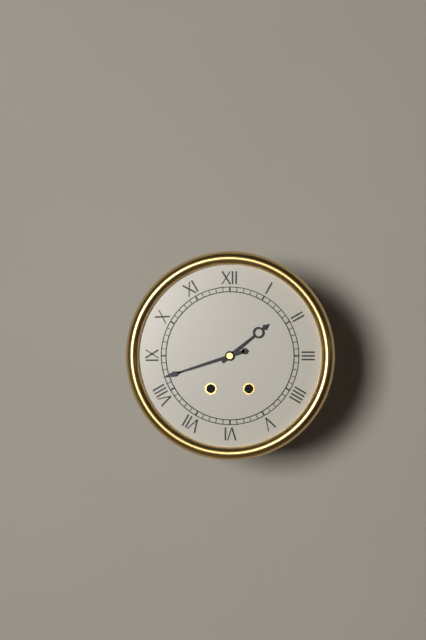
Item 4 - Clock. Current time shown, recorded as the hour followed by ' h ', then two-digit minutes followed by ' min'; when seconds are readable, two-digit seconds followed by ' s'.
1 h 42 min
